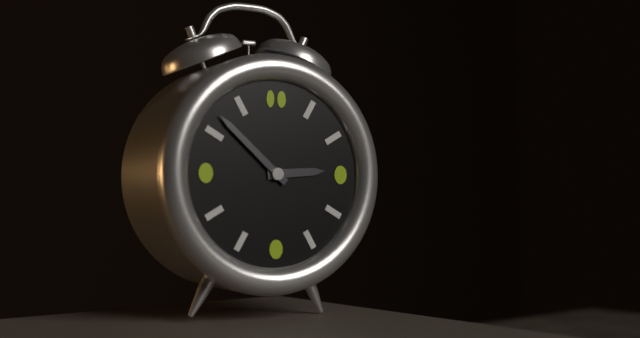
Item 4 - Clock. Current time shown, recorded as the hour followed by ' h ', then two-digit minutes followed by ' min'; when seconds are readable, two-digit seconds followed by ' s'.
2 h 52 min
